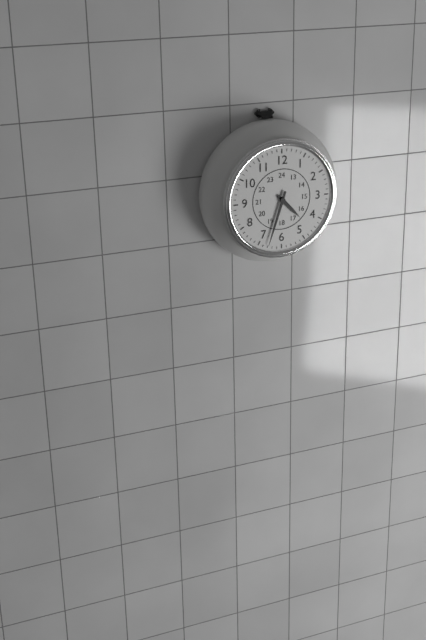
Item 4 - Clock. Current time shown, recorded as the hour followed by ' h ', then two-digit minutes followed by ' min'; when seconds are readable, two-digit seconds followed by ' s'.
4 h 33 min
